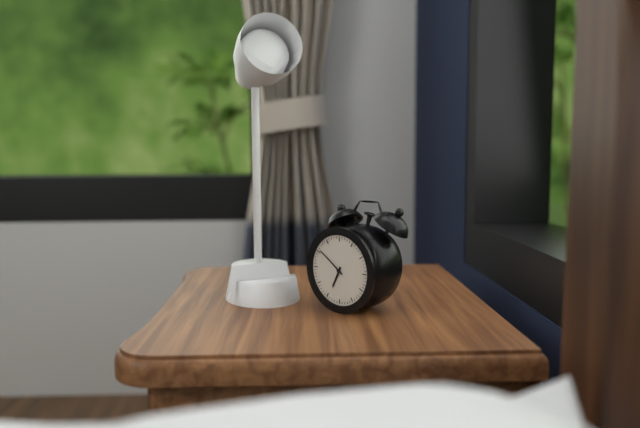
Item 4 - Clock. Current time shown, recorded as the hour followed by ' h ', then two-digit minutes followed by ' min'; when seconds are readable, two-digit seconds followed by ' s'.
6 h 51 min
